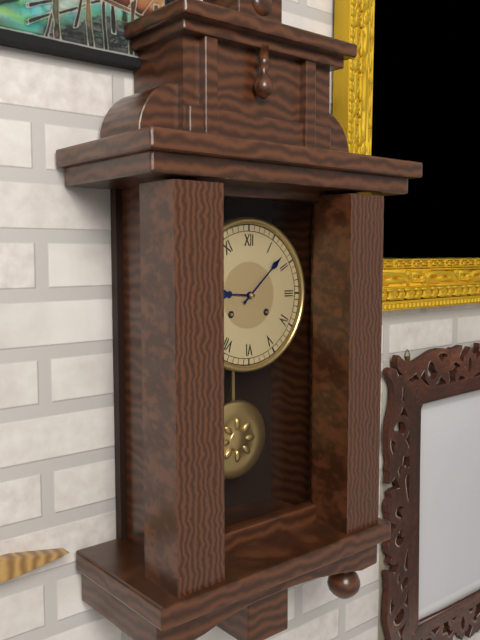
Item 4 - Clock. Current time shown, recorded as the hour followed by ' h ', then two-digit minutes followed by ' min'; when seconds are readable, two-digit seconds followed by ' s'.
9 h 08 min
